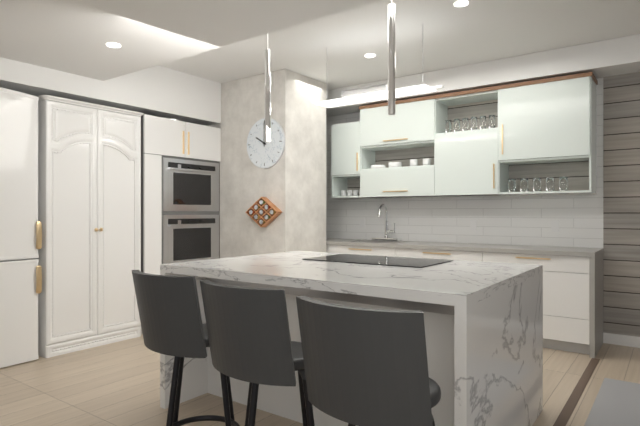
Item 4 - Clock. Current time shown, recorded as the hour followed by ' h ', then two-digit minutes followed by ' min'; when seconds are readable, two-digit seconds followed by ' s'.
10 h 00 min
